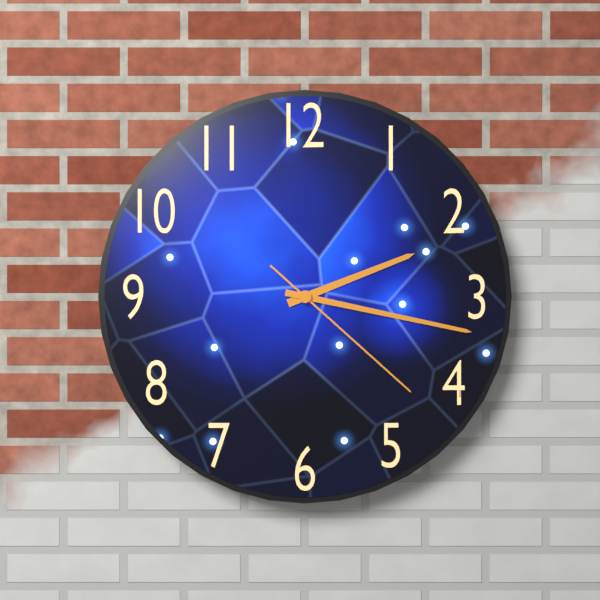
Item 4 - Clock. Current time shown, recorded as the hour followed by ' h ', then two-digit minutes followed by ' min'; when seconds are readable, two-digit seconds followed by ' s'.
2 h 17 min 22 s
